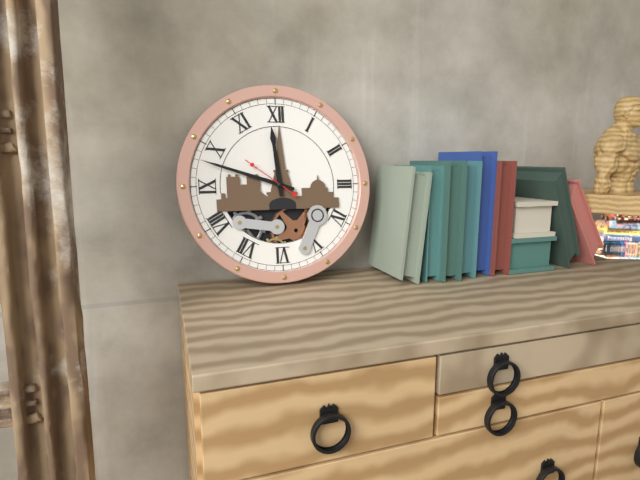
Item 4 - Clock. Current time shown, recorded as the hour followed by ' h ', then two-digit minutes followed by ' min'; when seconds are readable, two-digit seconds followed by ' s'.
11 h 48 min 51 s
